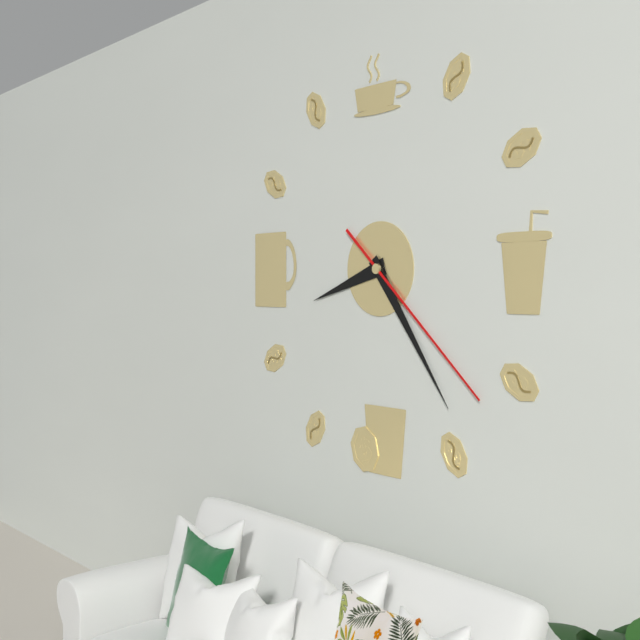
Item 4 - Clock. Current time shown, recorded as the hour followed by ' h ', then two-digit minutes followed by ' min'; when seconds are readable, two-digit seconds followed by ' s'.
8 h 24 min 22 s
